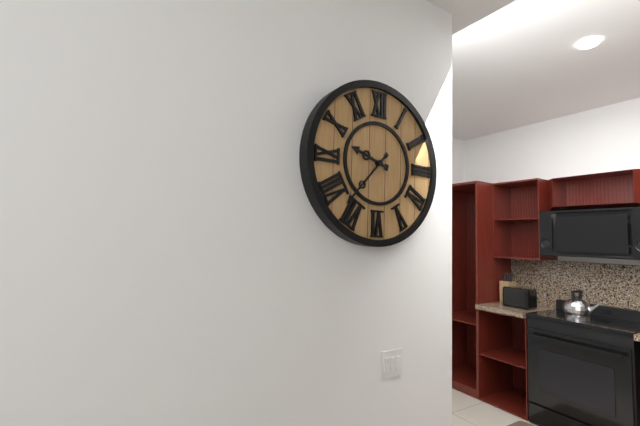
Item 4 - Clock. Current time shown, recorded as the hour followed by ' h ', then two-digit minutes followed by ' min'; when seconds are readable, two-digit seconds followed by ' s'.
9 h 37 min
